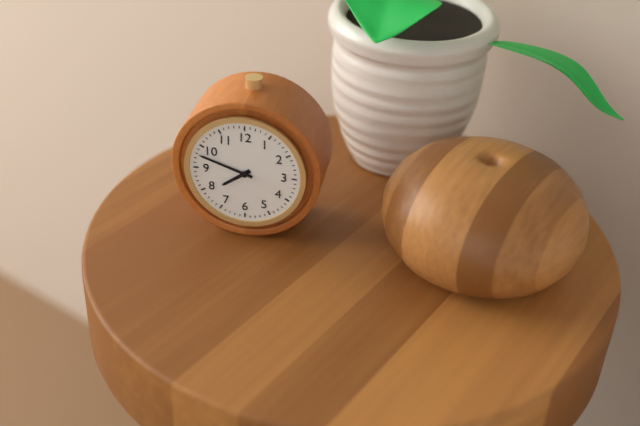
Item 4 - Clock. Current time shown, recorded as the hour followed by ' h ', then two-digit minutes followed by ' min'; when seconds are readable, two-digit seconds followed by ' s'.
7 h 48 min
